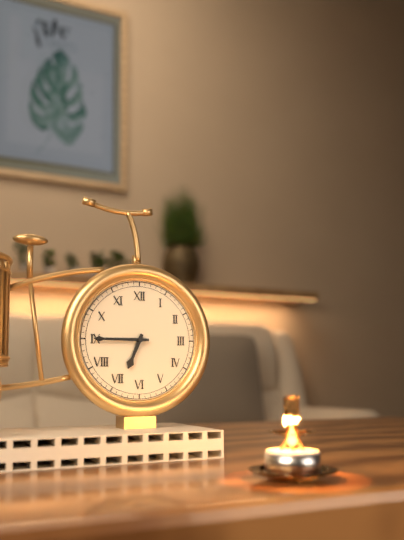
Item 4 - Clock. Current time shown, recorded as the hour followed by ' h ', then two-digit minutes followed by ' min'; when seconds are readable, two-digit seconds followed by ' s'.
6 h 45 min
